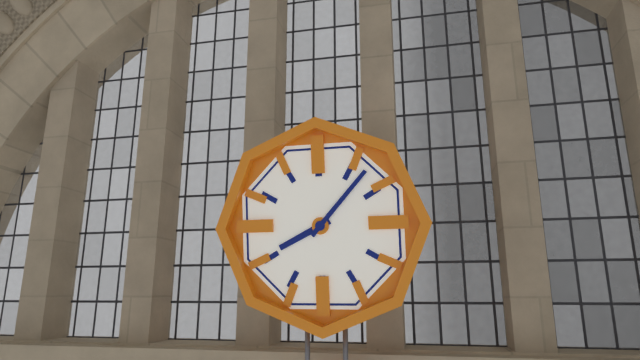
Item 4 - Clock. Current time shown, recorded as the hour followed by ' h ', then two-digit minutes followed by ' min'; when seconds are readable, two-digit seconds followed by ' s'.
8 h 07 min
